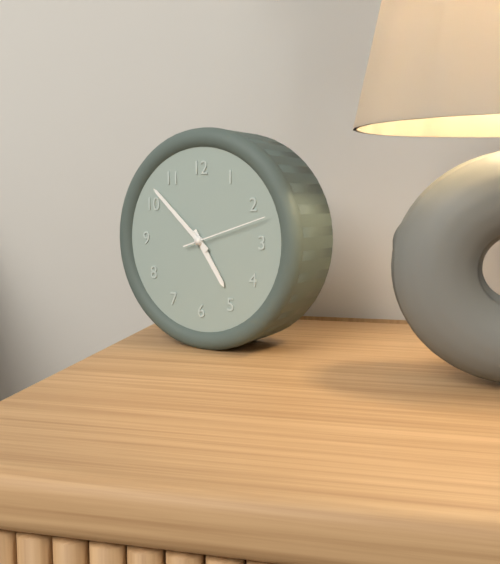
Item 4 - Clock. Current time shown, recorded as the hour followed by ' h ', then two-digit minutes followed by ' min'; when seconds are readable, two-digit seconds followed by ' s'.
4 h 52 min 12 s
